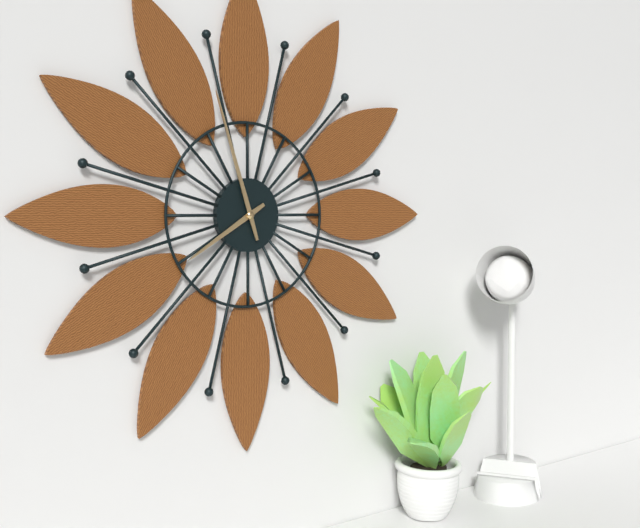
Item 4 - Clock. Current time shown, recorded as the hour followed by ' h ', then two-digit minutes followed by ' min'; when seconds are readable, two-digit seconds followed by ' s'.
7 h 57 min
